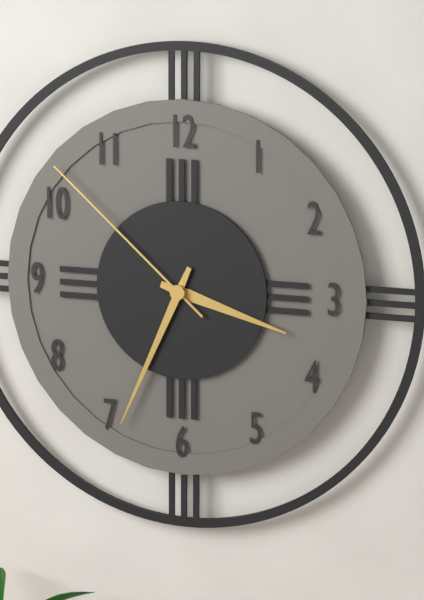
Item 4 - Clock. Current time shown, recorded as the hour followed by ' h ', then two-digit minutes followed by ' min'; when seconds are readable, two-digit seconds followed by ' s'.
3 h 34 min 52 s
